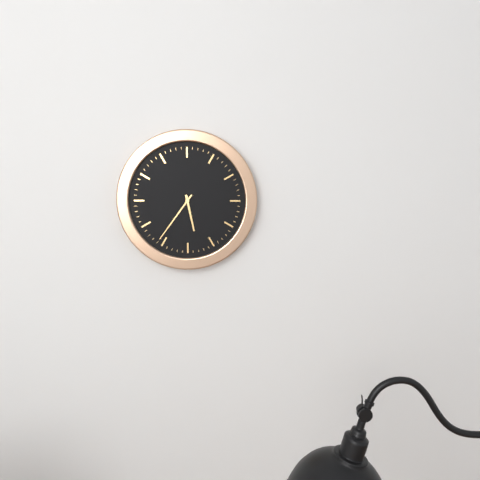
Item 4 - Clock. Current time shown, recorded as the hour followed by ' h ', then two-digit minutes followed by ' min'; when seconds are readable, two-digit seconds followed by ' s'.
5 h 36 min
